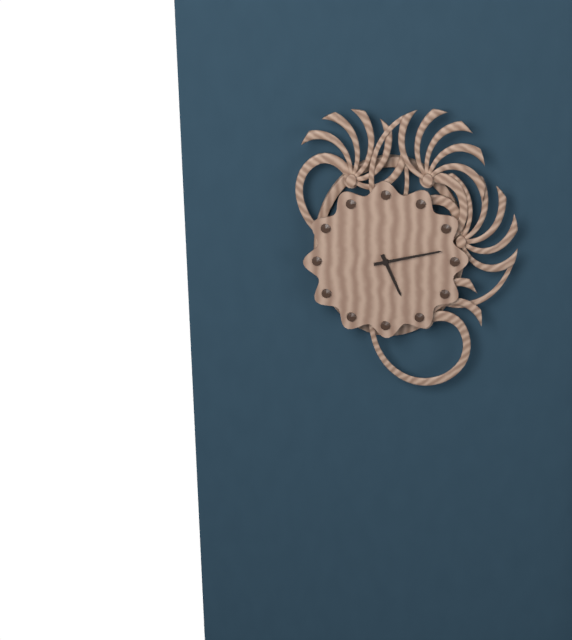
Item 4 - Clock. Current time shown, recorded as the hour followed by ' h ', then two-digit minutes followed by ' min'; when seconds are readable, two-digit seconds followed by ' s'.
5 h 13 min
